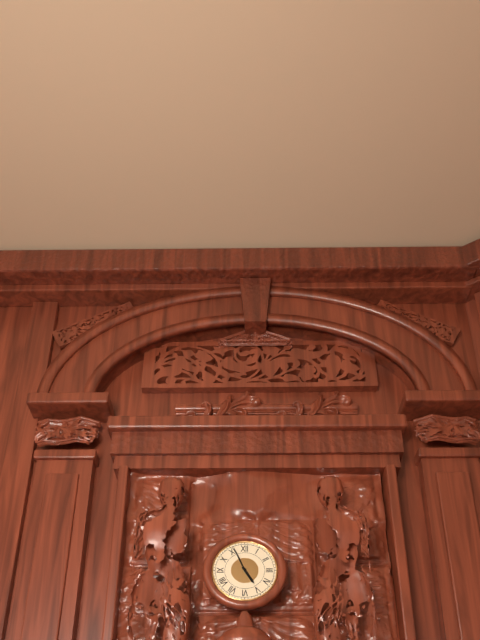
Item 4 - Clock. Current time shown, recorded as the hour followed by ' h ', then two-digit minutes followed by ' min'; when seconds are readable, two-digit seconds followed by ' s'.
4 h 56 min
